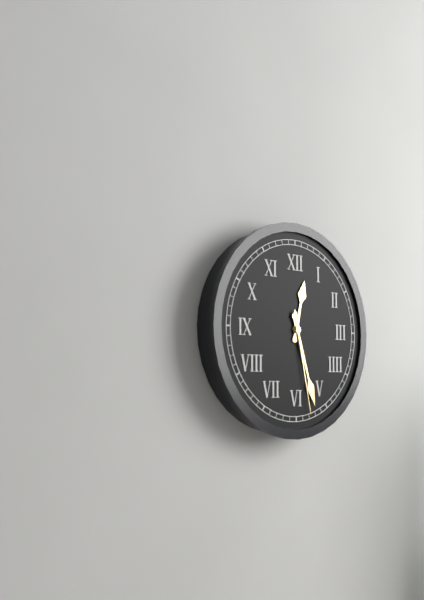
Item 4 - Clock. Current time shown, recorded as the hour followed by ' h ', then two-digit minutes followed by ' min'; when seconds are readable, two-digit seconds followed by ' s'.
12 h 27 min 28 s
